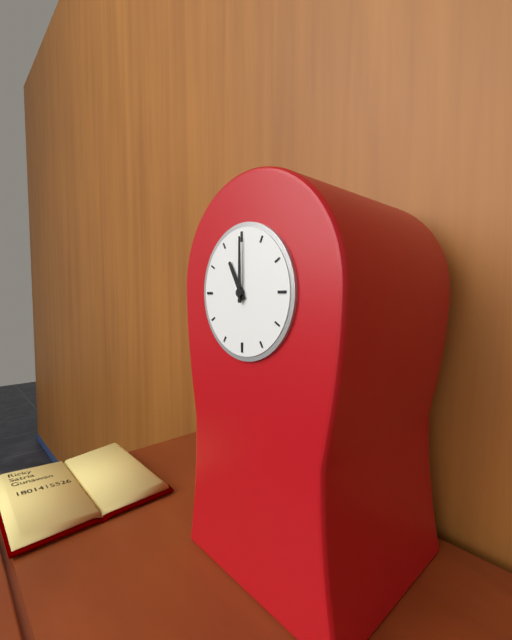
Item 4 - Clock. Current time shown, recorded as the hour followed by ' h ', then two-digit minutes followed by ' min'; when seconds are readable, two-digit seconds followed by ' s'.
11 h 00 min
